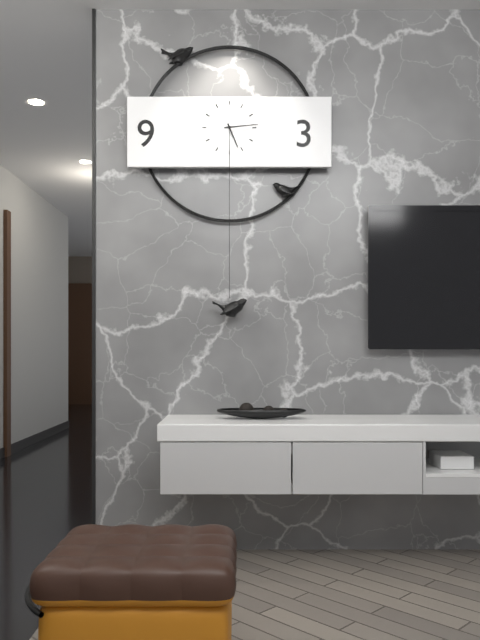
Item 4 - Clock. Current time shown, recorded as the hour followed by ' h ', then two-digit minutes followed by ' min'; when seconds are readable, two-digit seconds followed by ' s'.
5 h 14 min
